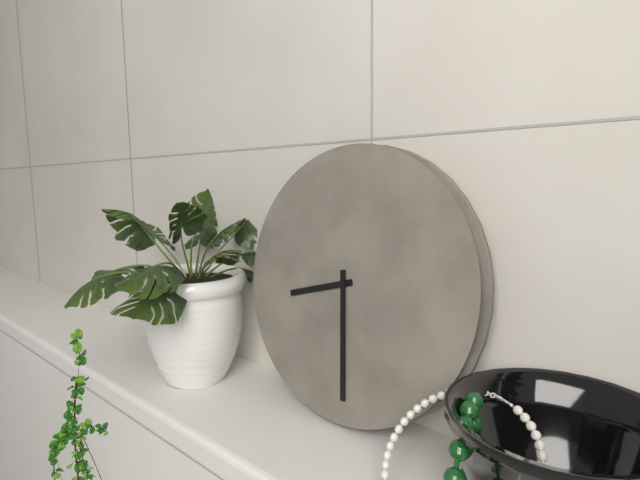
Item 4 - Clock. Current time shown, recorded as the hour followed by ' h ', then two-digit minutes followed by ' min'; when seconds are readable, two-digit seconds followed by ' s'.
8 h 29 min
